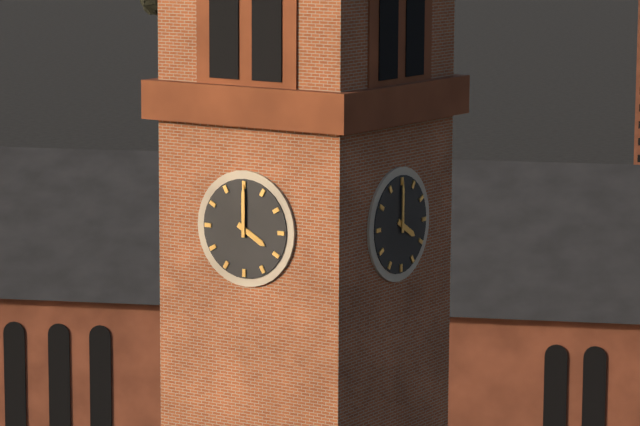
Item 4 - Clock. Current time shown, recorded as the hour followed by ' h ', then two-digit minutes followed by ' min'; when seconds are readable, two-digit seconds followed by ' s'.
4 h 00 min
